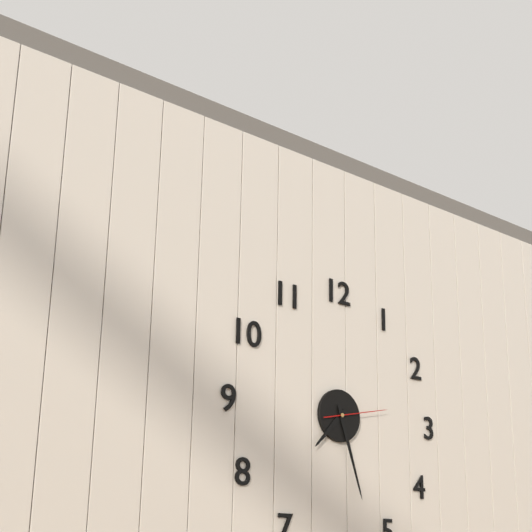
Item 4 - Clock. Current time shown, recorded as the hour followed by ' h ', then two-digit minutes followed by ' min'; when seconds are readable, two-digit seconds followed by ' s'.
7 h 27 min 13 s
